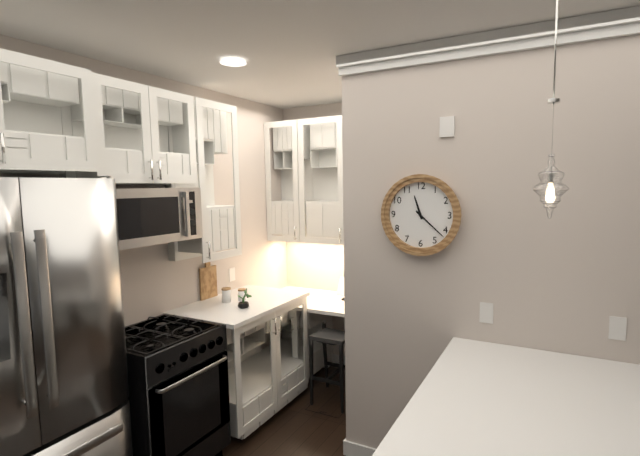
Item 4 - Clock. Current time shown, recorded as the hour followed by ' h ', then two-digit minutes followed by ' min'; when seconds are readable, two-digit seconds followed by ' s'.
11 h 22 min
